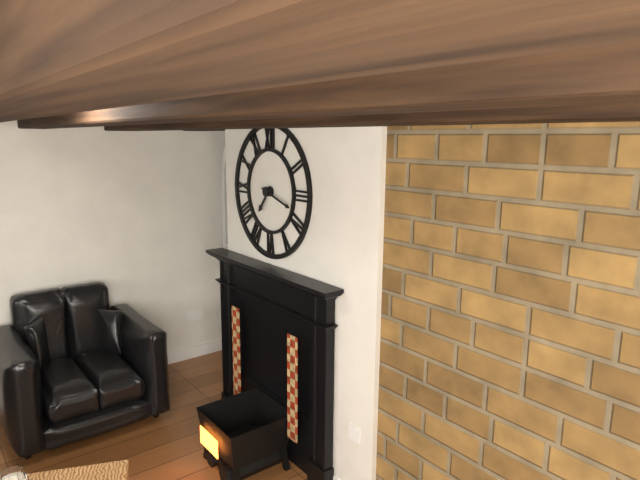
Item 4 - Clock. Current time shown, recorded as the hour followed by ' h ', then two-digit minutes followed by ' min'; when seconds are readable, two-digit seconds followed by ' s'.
7 h 18 min
